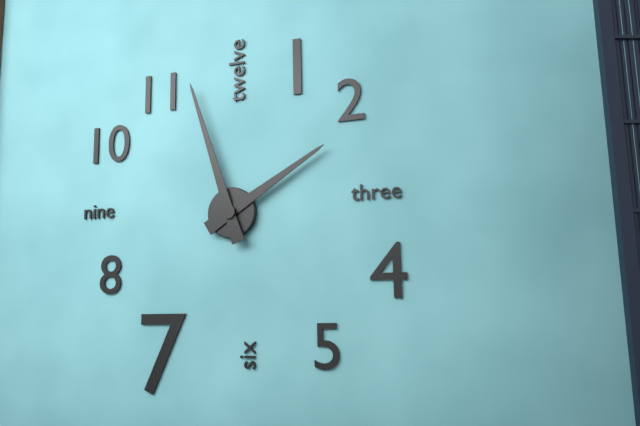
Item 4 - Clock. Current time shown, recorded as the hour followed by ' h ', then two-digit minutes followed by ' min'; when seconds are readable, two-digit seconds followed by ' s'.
1 h 57 min
